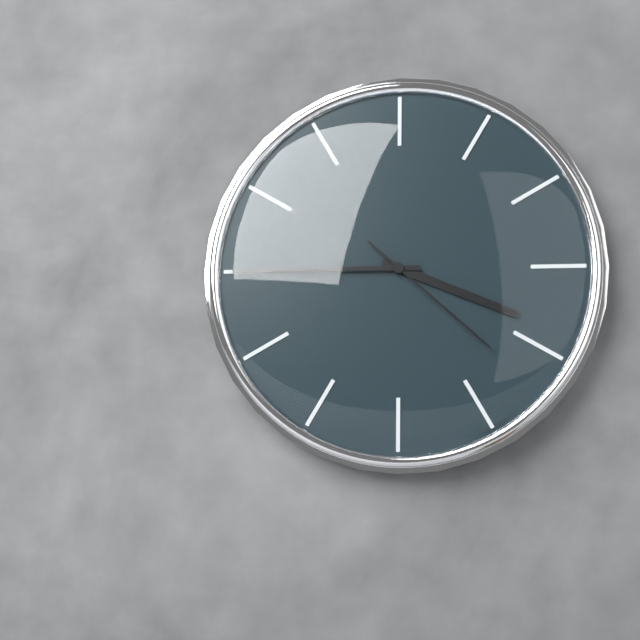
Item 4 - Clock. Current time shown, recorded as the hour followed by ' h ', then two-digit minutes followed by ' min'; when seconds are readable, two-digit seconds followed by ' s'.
3 h 45 min 22 s
